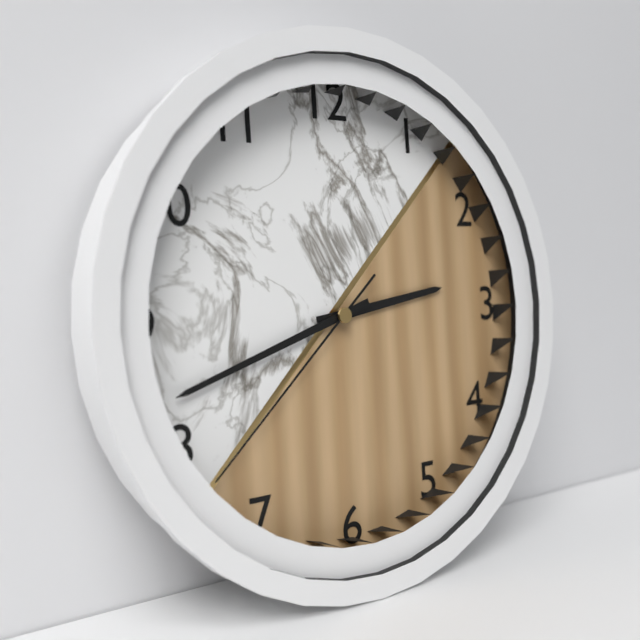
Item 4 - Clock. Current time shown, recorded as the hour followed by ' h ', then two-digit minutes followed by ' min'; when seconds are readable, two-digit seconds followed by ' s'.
2 h 42 min 38 s
